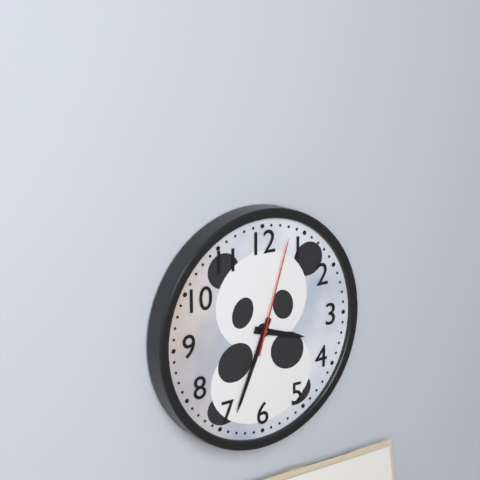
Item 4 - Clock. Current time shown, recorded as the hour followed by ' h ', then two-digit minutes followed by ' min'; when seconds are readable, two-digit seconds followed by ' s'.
3 h 34 min 03 s
